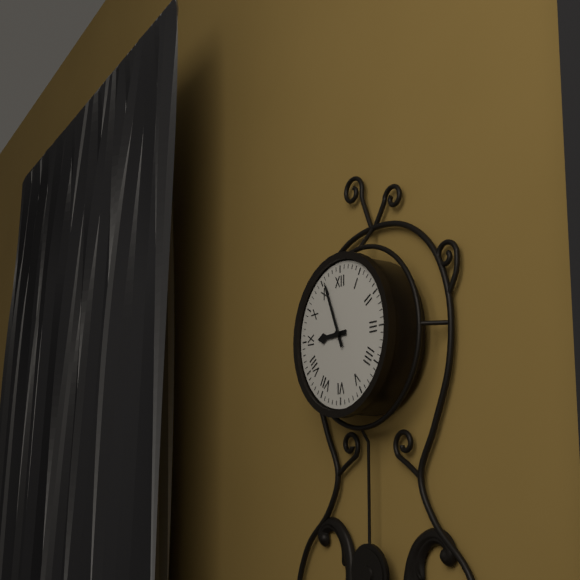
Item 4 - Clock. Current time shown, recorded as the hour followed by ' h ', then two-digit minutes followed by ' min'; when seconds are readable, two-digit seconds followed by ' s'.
8 h 56 min
